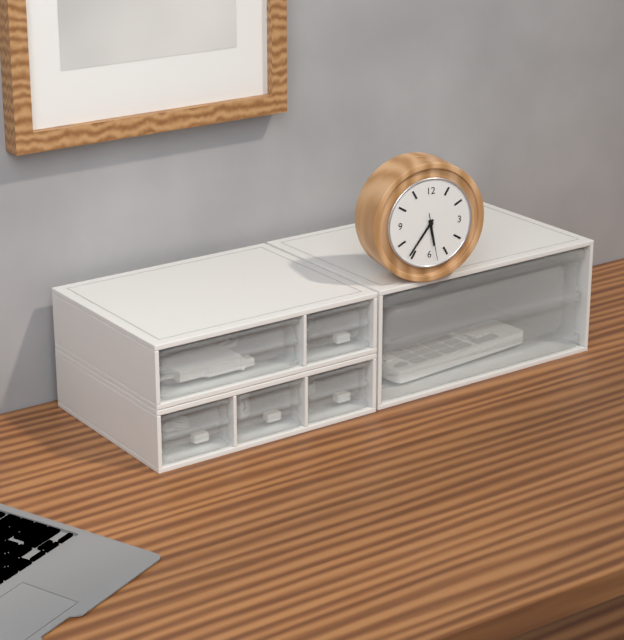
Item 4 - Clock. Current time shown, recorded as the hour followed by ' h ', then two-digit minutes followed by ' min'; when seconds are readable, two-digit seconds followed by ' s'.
5 h 36 min
